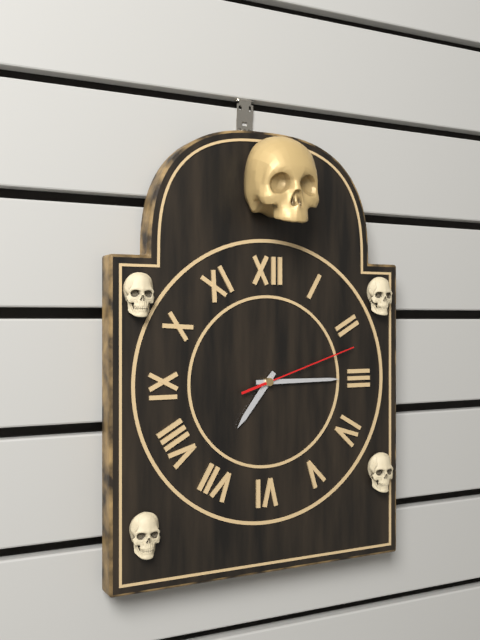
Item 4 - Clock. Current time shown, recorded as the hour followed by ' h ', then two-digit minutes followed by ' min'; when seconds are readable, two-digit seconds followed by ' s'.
7 h 15 min 12 s
